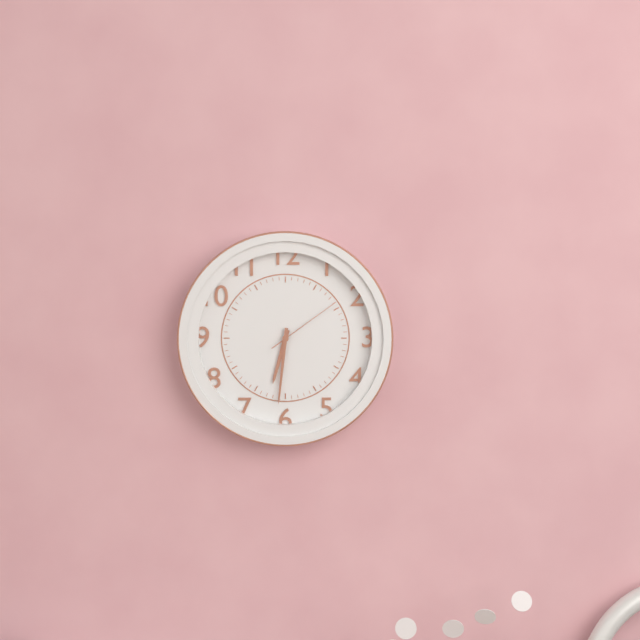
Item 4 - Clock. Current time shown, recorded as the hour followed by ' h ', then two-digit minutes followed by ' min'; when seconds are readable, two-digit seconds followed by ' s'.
6 h 31 min 09 s
